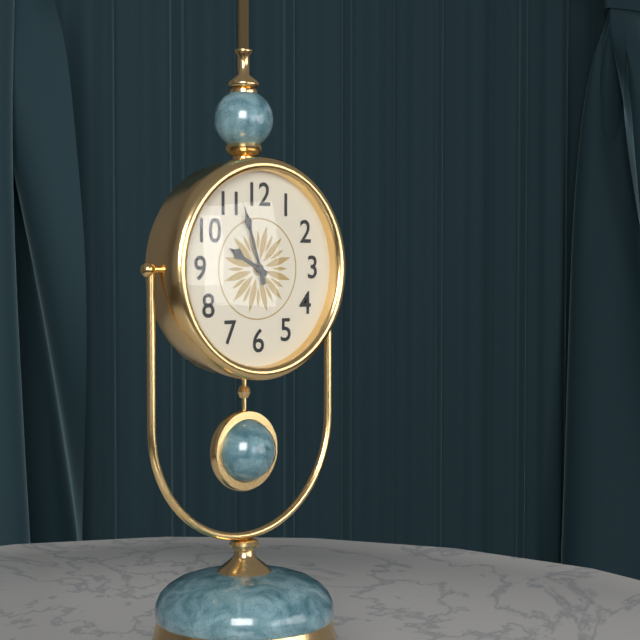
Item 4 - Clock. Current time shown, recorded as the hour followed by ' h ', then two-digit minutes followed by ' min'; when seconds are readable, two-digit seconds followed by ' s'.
9 h 57 min
